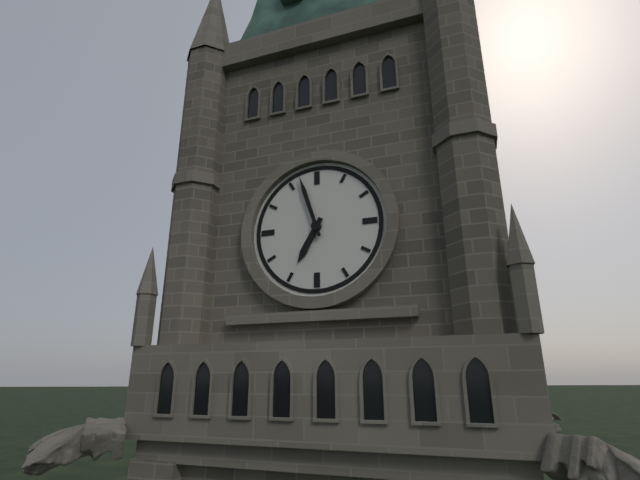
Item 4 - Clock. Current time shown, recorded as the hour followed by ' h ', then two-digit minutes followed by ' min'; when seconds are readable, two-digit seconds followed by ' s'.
6 h 57 min
